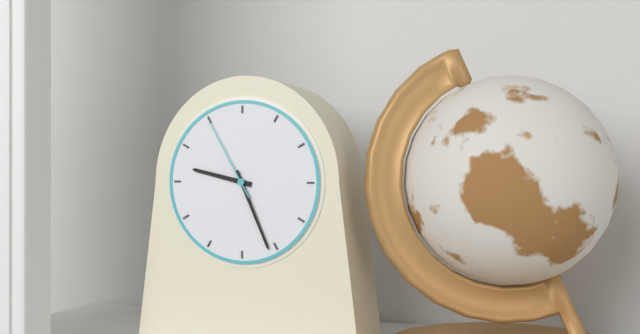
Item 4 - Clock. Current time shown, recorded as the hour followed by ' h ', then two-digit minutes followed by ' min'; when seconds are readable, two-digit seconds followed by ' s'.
9 h 26 min 55 s
